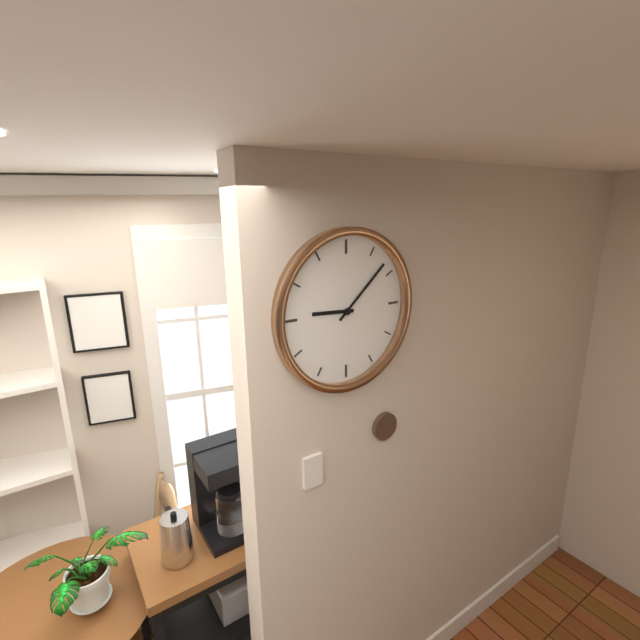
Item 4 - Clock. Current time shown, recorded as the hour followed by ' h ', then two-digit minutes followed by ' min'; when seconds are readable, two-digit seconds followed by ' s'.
9 h 08 min
